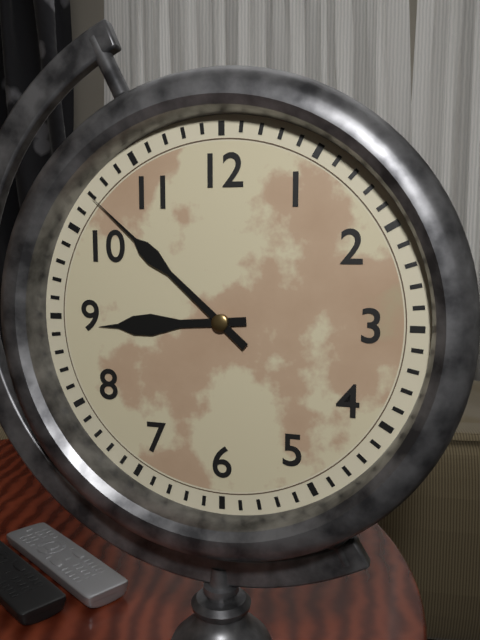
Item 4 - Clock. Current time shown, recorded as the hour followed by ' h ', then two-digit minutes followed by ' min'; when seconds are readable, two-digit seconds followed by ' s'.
8 h 52 min
